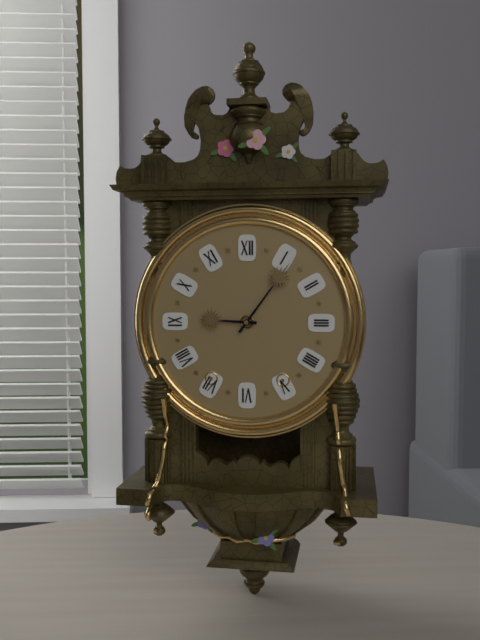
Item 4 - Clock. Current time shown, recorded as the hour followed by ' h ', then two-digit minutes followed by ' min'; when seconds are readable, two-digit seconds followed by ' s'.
9 h 06 min
